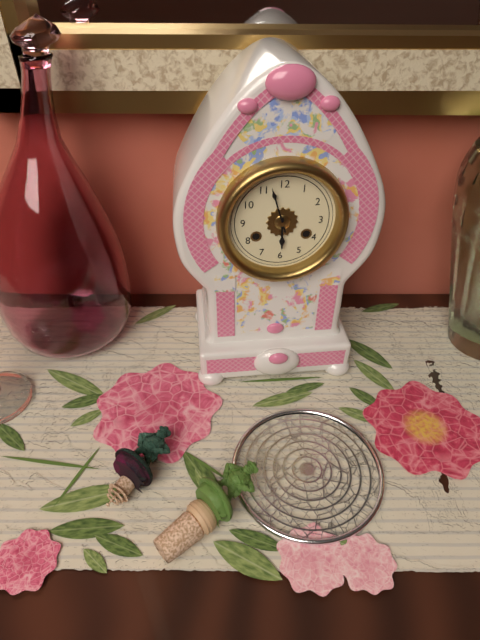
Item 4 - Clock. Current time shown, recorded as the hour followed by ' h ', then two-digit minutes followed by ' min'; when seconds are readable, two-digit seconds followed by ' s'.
5 h 57 min
